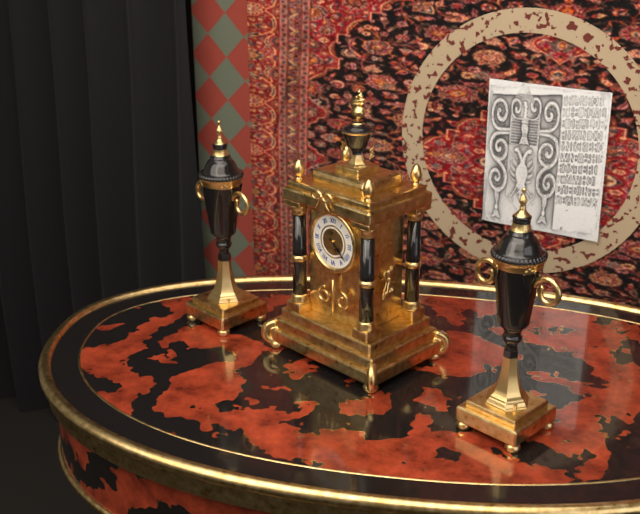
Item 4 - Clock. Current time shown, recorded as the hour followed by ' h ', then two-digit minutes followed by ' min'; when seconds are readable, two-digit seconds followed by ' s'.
4 h 22 min
